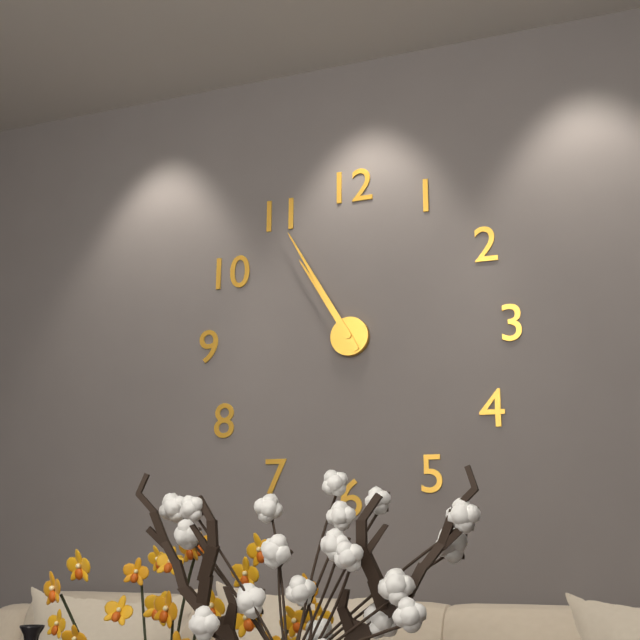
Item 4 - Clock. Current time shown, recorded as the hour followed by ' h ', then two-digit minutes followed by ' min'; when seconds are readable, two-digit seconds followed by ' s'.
10 h 55 min
